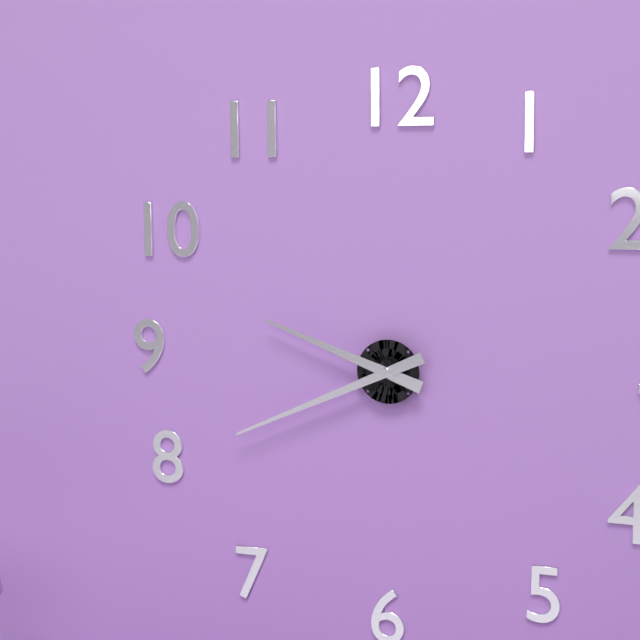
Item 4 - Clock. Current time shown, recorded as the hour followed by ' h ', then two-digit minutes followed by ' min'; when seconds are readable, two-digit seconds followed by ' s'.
9 h 41 min
